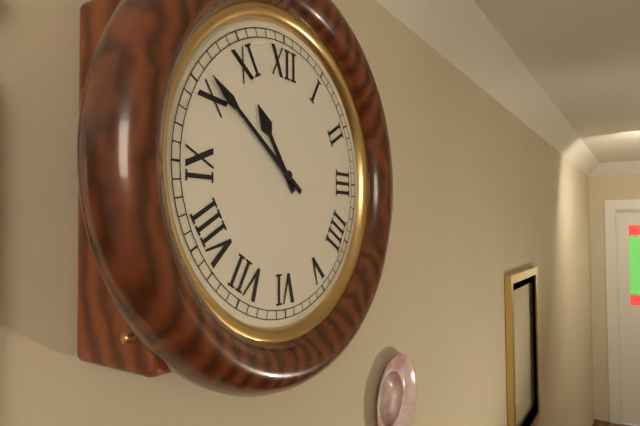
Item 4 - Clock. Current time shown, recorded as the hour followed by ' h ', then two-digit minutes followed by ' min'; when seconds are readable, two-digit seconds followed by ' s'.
10 h 51 min
